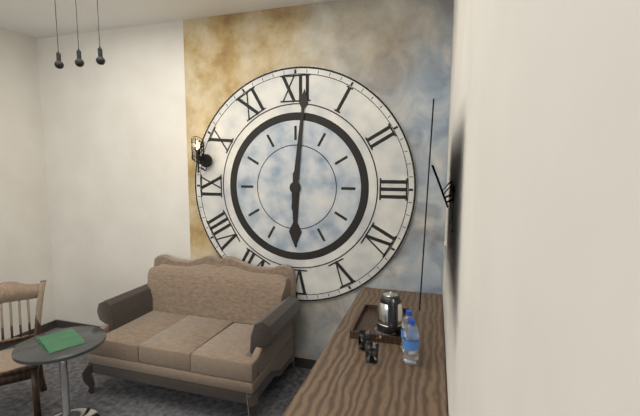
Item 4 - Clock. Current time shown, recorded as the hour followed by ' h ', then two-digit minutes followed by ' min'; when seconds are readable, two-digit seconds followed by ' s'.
6 h 01 min
